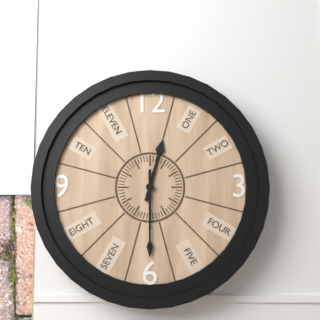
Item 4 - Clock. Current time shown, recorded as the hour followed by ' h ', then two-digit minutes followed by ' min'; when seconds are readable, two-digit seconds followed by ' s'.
12 h 30 min
